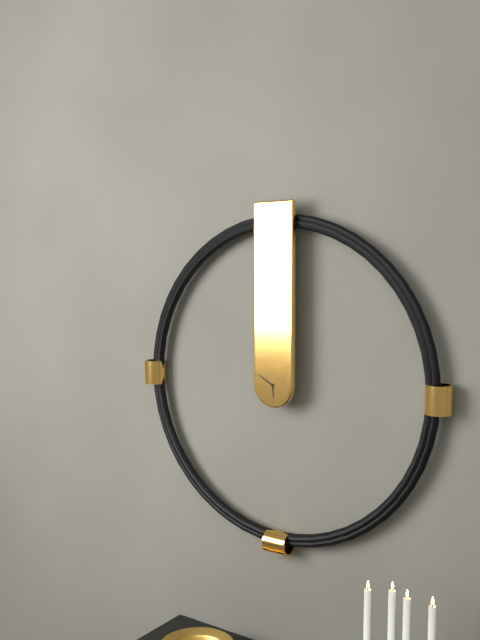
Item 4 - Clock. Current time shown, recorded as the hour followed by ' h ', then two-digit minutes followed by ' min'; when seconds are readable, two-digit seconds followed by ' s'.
5 h 50 min
